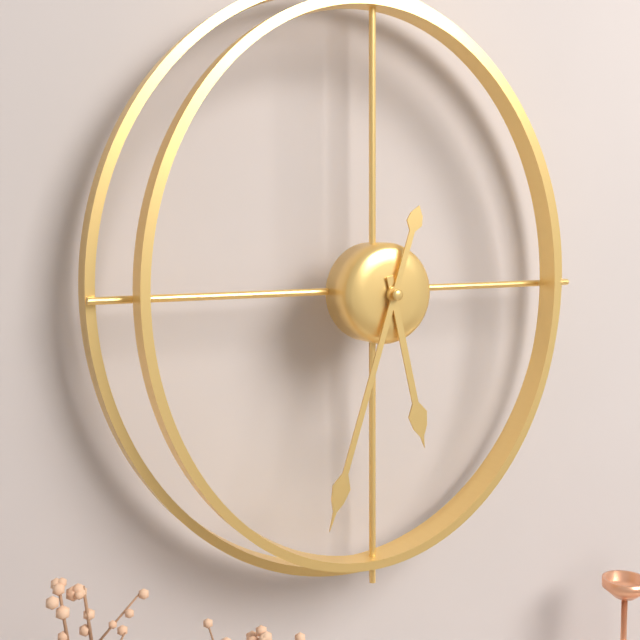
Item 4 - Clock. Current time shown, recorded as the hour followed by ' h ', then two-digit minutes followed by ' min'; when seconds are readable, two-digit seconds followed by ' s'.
5 h 33 min
